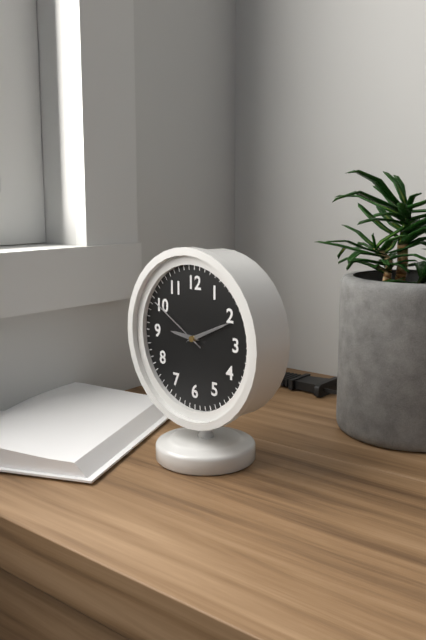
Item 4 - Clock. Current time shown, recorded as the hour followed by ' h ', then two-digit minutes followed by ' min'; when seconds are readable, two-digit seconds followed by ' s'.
9 h 11 min 50 s
